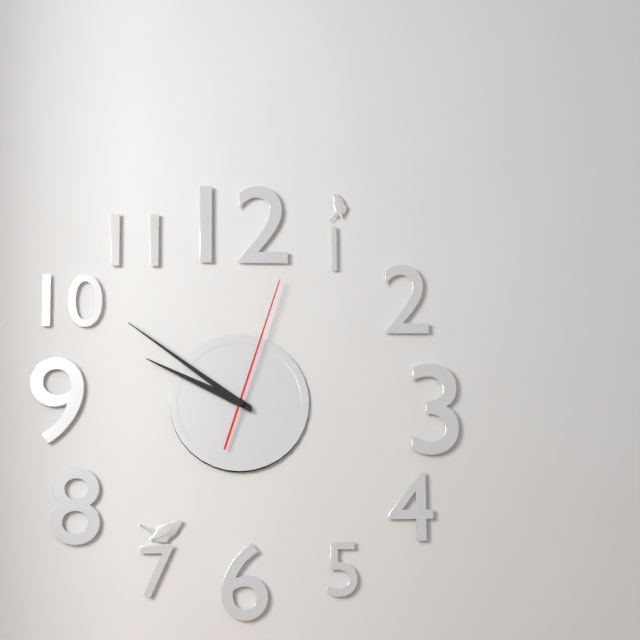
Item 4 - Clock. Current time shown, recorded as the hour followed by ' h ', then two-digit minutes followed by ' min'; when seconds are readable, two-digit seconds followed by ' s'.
9 h 51 min 03 s
